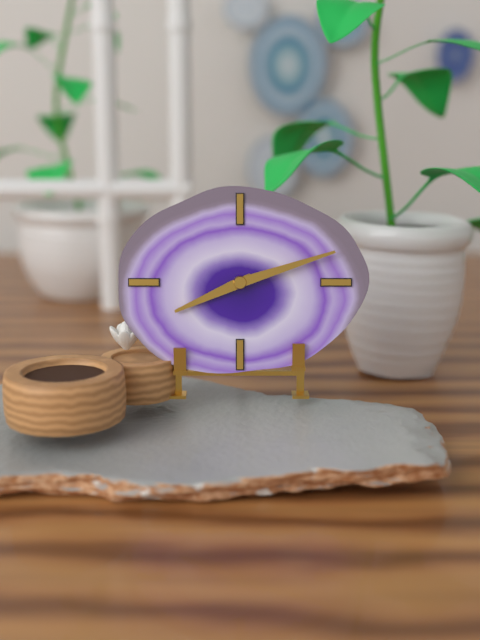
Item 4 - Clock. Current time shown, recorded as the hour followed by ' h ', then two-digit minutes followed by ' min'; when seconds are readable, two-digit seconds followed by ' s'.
8 h 12 min
